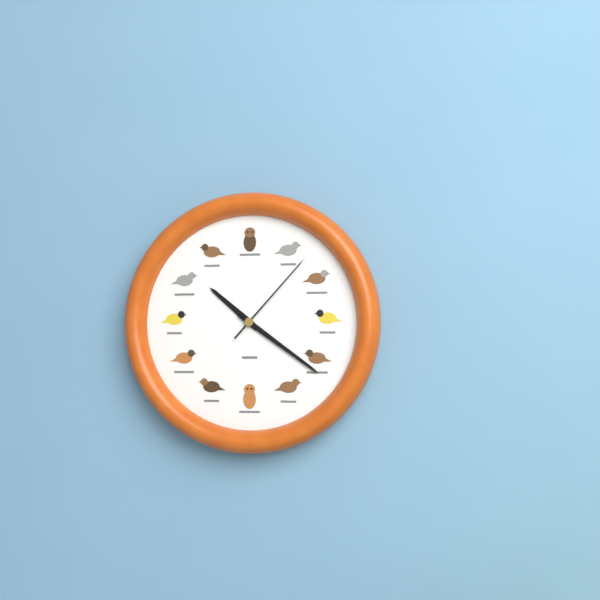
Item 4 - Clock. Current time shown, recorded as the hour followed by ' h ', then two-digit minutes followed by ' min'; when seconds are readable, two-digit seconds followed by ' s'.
10 h 21 min 07 s
